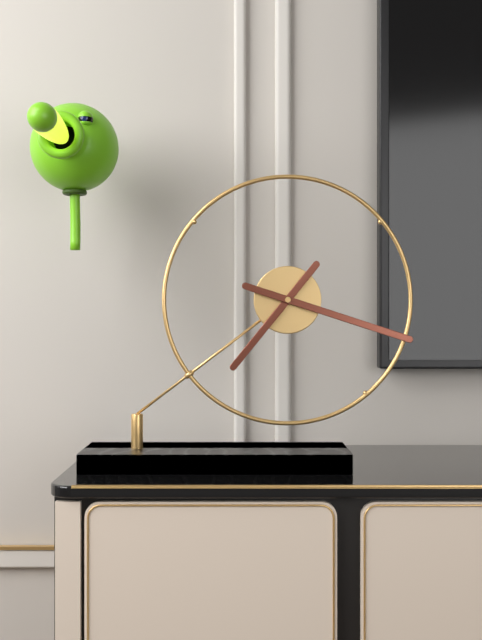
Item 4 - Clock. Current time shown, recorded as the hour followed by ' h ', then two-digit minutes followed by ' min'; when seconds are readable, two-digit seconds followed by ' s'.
7 h 18 min
